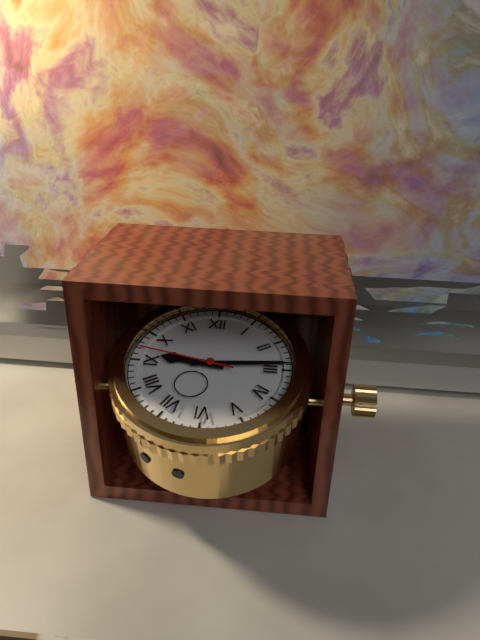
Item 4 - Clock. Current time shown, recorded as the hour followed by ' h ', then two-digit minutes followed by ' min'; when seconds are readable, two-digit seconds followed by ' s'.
9 h 14 min 47 s
